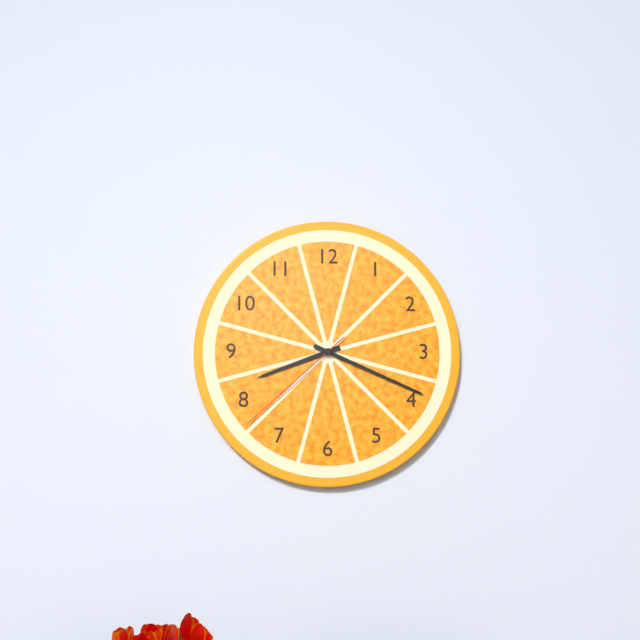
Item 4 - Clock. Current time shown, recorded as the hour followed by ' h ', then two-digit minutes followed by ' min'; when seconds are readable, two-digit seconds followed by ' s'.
8 h 19 min 38 s
